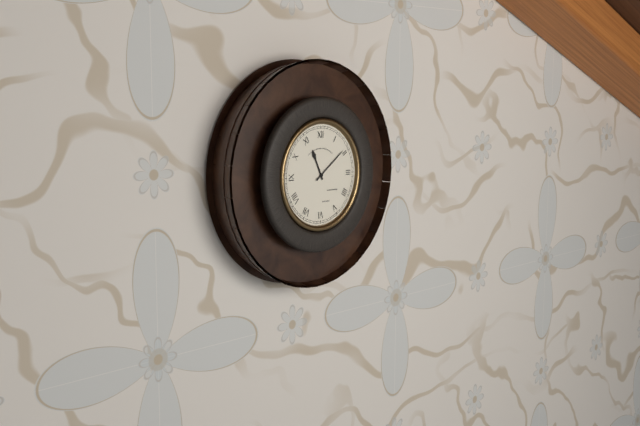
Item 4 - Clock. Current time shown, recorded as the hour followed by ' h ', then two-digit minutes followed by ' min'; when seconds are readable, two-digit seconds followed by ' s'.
11 h 09 min
